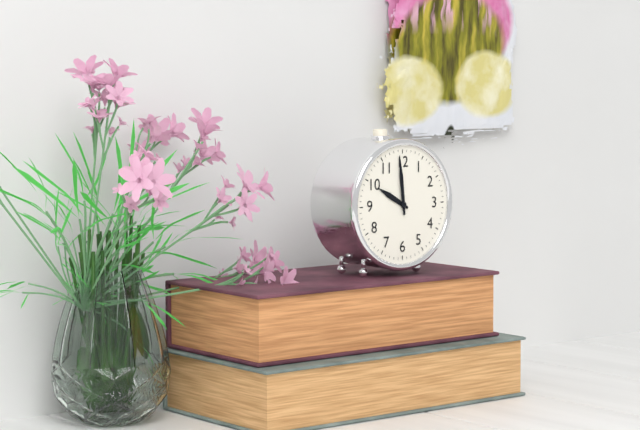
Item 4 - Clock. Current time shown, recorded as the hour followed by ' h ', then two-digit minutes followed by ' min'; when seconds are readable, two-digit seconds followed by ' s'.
9 h 59 min
